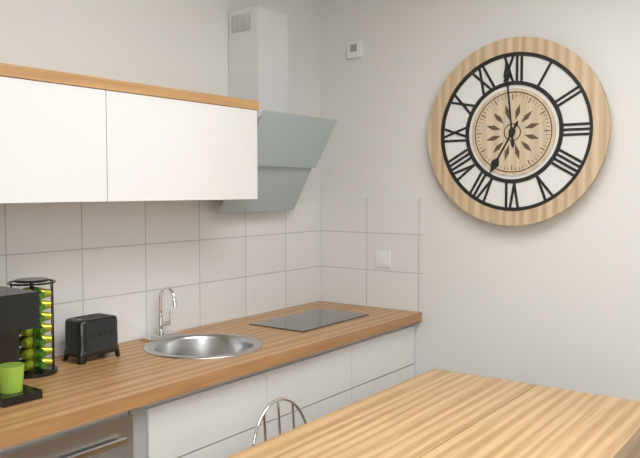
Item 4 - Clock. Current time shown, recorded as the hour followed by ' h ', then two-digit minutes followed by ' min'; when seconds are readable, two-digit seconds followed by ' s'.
6 h 59 min
